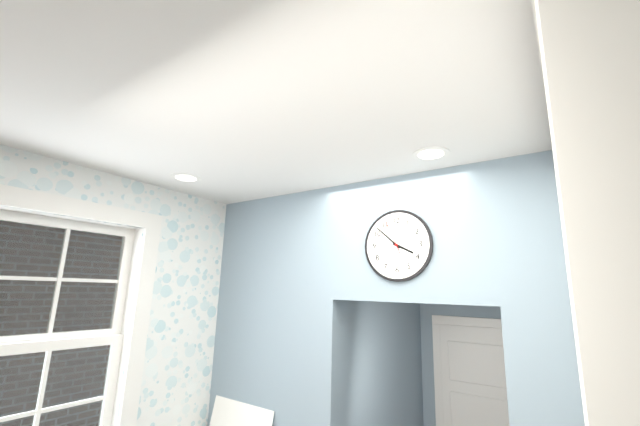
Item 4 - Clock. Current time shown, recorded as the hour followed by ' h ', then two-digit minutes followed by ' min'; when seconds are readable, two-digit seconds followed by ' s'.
3 h 52 min
